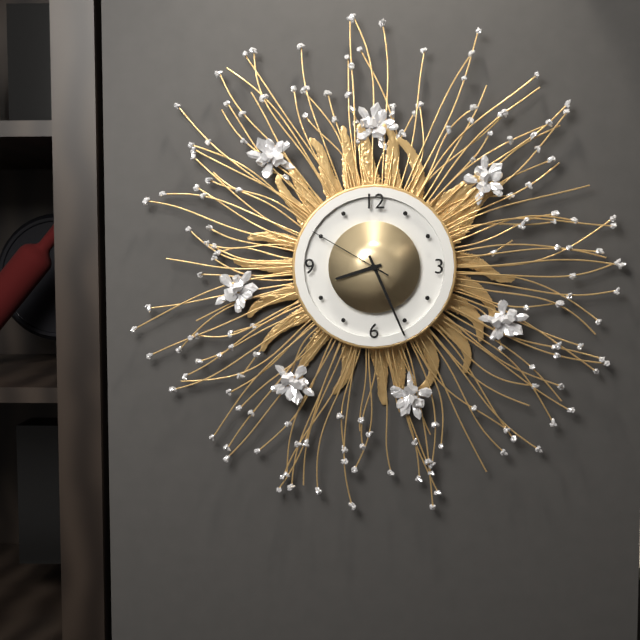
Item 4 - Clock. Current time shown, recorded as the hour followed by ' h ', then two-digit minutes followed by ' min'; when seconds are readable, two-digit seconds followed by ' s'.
8 h 26 min 50 s
